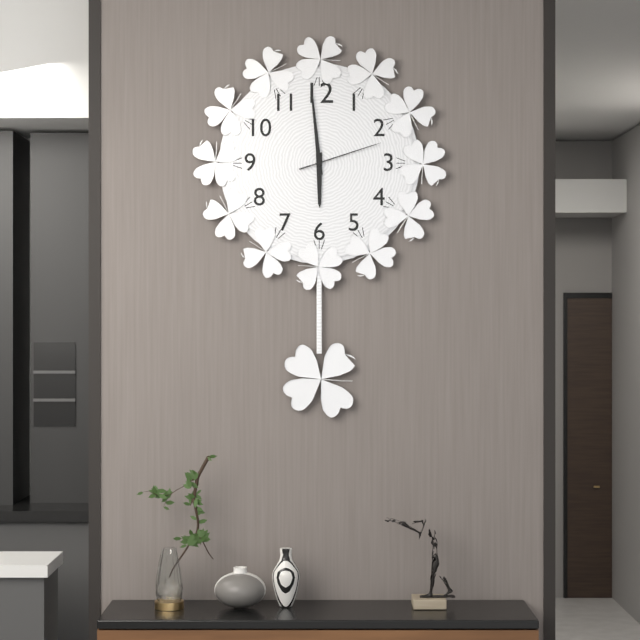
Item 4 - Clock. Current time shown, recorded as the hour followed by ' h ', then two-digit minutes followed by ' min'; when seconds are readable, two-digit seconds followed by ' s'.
5 h 59 min 12 s
